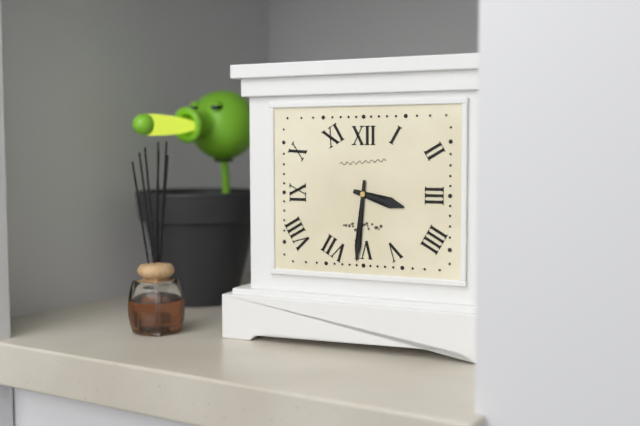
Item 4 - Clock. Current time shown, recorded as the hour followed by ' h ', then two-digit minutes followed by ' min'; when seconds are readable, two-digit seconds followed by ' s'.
3 h 31 min
